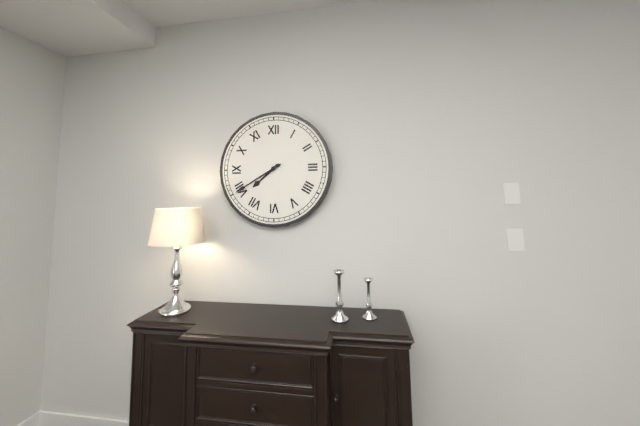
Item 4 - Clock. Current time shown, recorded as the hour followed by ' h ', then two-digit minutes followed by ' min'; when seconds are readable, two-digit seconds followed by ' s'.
7 h 40 min
